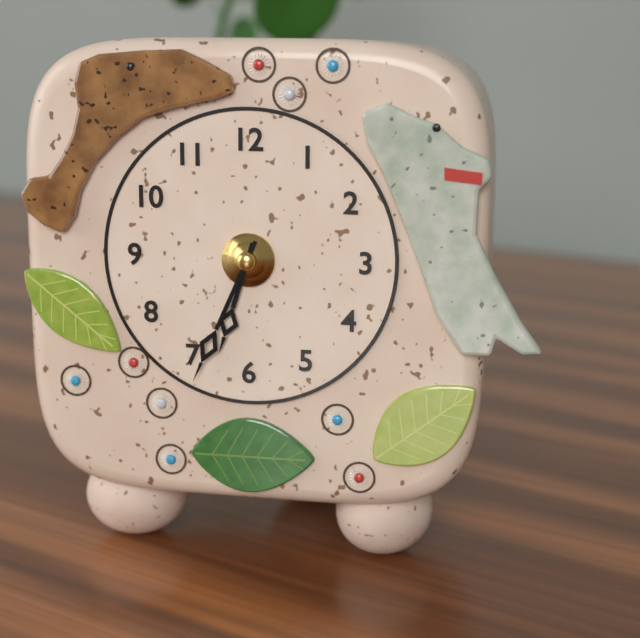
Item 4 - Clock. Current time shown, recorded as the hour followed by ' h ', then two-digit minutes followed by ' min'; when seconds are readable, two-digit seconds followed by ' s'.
6 h 34 min
